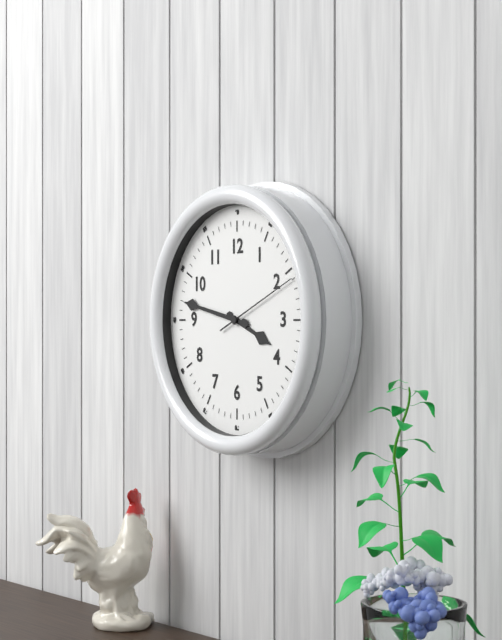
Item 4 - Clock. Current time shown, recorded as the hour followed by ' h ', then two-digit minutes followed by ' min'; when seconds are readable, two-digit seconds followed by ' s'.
3 h 47 min 11 s
